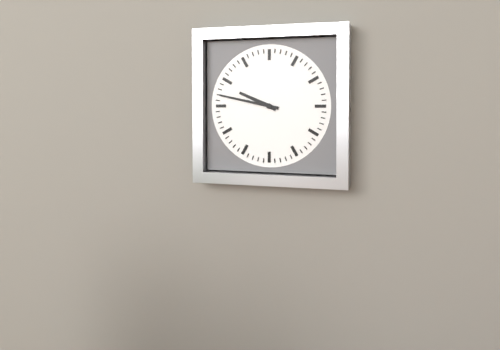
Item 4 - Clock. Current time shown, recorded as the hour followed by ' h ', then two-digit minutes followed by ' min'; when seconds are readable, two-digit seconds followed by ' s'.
9 h 47 min
